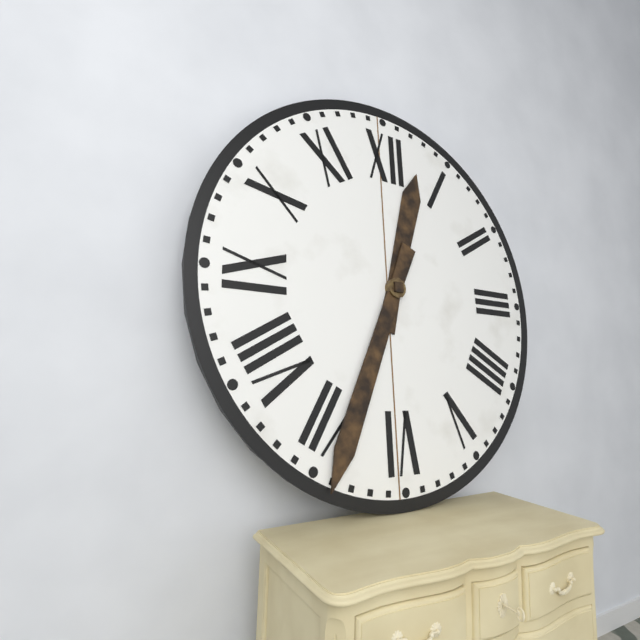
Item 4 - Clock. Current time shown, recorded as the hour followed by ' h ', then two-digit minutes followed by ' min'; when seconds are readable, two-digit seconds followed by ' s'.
12 h 34 min
